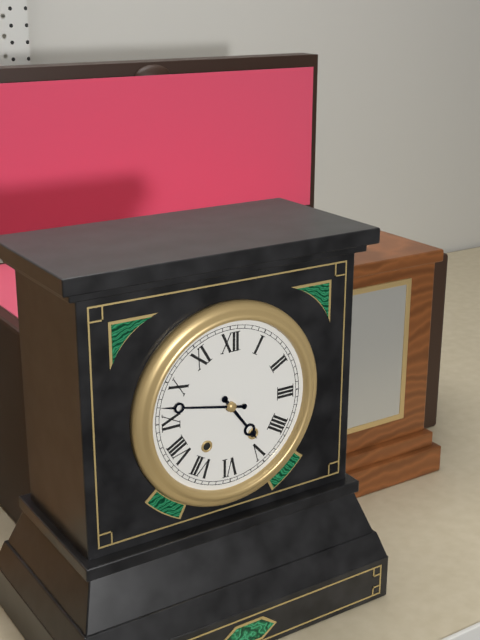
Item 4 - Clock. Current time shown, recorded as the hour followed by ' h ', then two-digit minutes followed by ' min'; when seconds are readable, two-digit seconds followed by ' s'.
4 h 47 min
